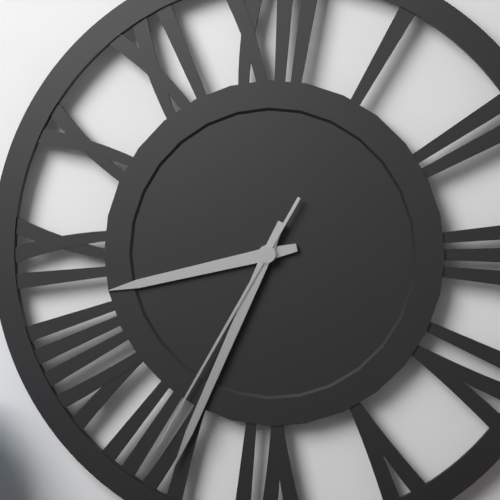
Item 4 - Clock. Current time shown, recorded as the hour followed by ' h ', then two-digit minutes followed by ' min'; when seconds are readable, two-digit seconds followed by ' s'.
8 h 34 min 35 s
